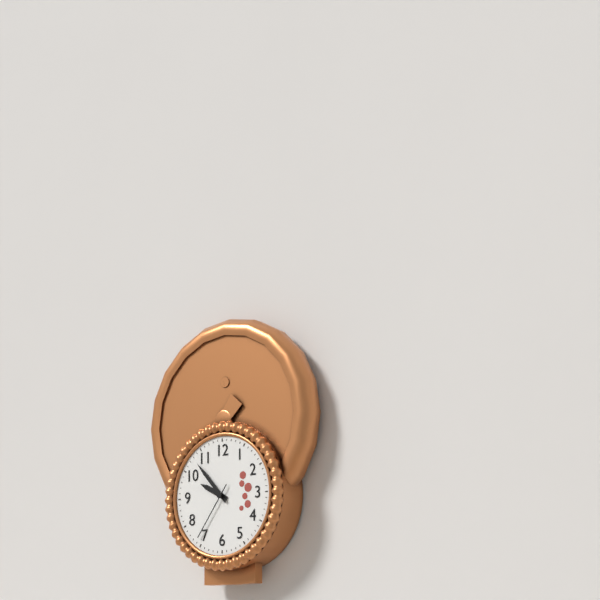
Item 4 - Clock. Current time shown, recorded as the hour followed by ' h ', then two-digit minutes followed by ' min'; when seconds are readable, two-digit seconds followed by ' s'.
9 h 53 min 36 s
